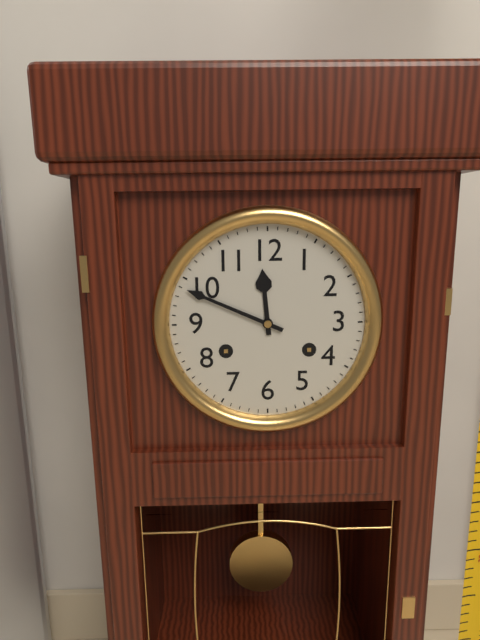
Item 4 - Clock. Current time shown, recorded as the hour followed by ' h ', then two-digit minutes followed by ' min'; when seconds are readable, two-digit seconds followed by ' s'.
11 h 49 min
